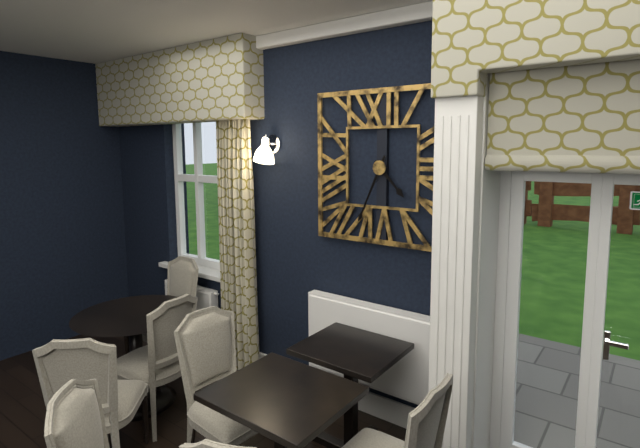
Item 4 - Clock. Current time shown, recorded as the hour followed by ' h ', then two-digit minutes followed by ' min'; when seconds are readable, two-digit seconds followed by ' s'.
4 h 34 min
